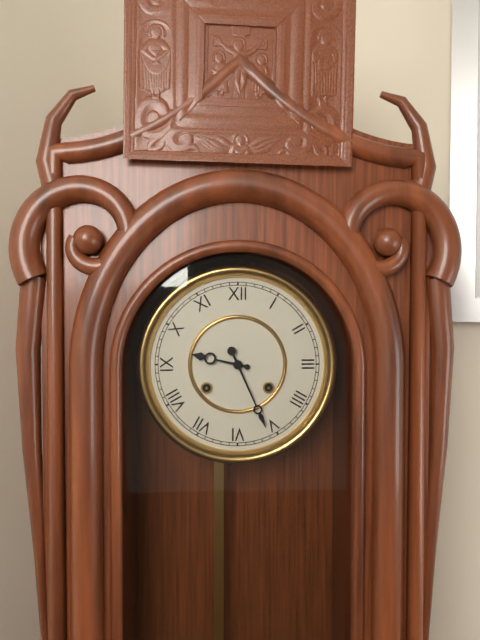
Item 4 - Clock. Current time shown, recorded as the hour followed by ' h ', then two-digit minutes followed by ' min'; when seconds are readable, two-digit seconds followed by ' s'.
9 h 26 min
